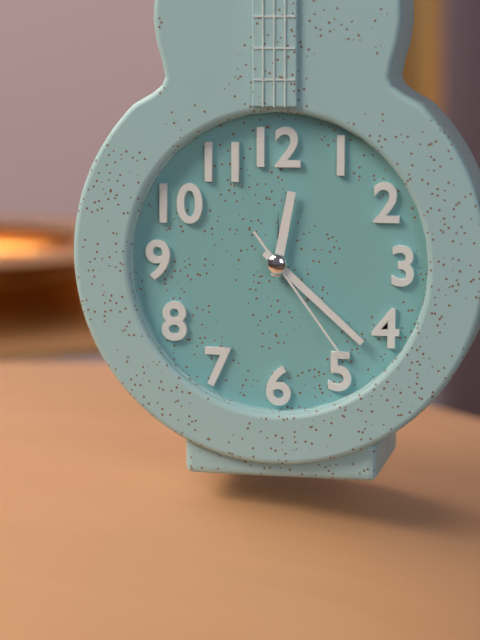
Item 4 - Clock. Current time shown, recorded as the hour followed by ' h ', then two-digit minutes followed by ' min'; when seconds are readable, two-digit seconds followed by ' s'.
12 h 22 min 24 s
